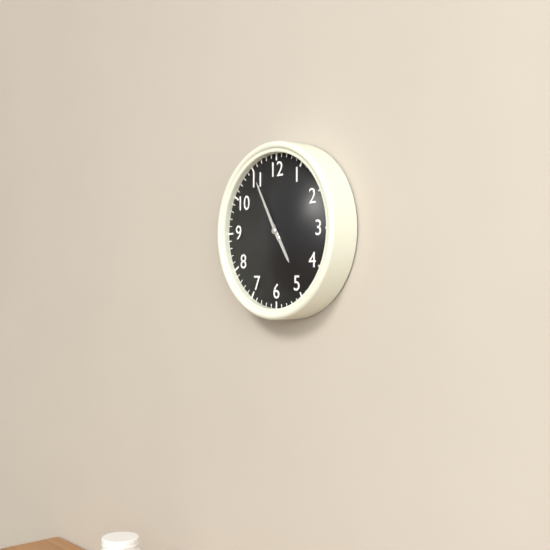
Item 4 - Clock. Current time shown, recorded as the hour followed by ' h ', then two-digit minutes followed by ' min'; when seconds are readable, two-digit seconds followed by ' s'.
4 h 55 min
